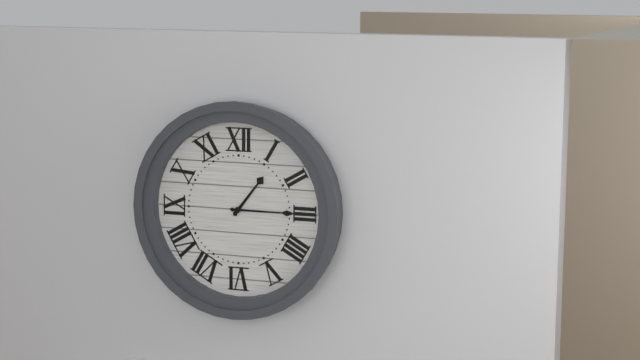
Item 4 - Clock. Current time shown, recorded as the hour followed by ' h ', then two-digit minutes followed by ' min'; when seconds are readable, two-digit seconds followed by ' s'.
1 h 15 min
